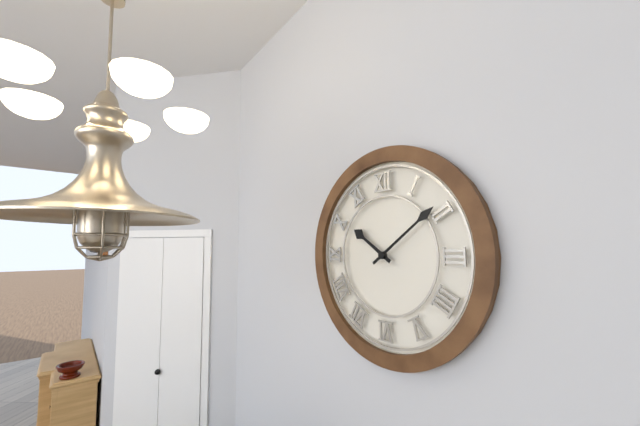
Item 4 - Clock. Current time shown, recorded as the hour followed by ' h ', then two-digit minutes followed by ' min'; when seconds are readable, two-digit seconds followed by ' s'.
10 h 09 min
